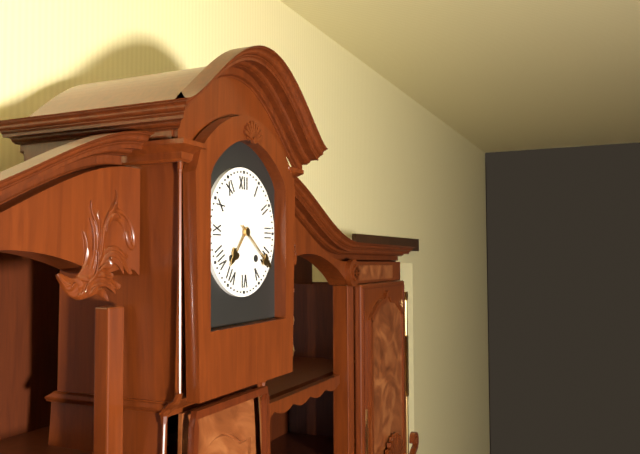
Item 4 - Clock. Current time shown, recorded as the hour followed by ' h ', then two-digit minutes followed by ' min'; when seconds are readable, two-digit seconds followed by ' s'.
7 h 21 min
